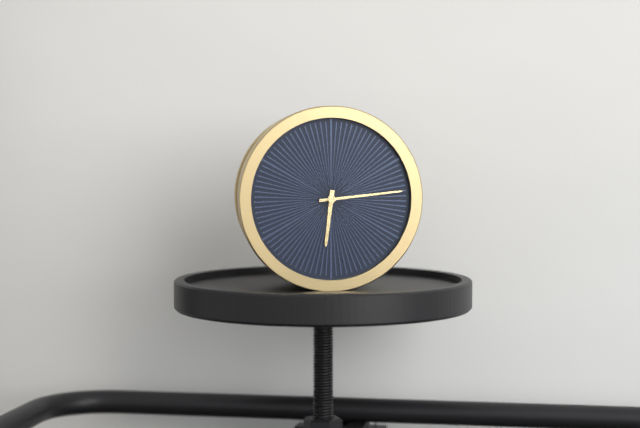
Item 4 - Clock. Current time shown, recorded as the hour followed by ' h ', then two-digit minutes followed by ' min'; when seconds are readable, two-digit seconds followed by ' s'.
6 h 14 min
